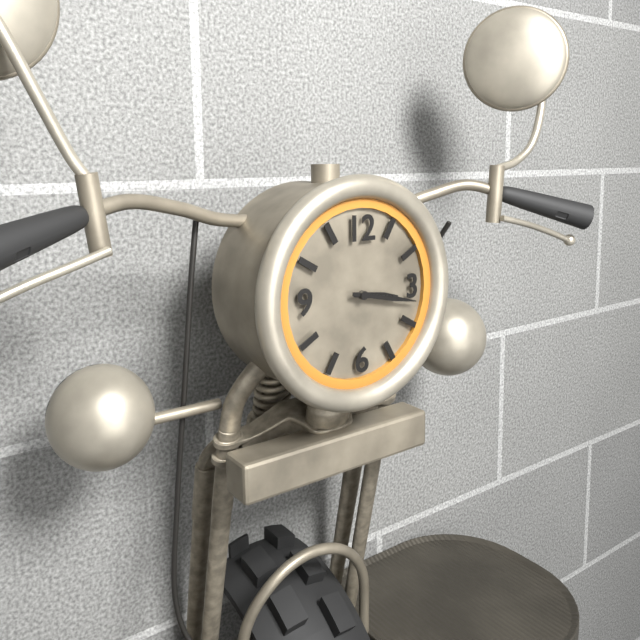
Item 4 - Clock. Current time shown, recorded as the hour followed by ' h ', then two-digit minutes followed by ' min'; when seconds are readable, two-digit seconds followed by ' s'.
3 h 17 min
